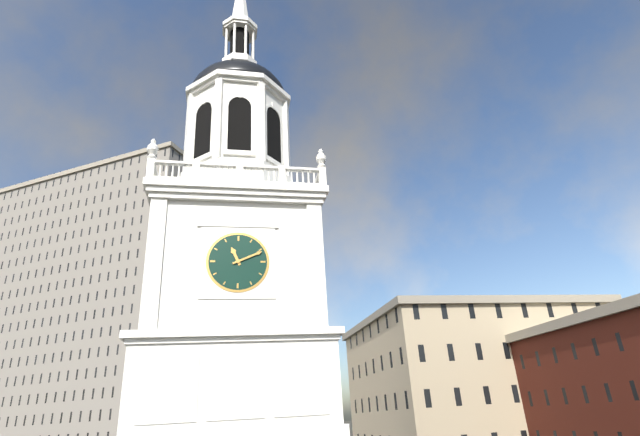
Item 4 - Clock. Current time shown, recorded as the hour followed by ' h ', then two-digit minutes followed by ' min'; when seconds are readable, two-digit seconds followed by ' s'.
11 h 11 min
